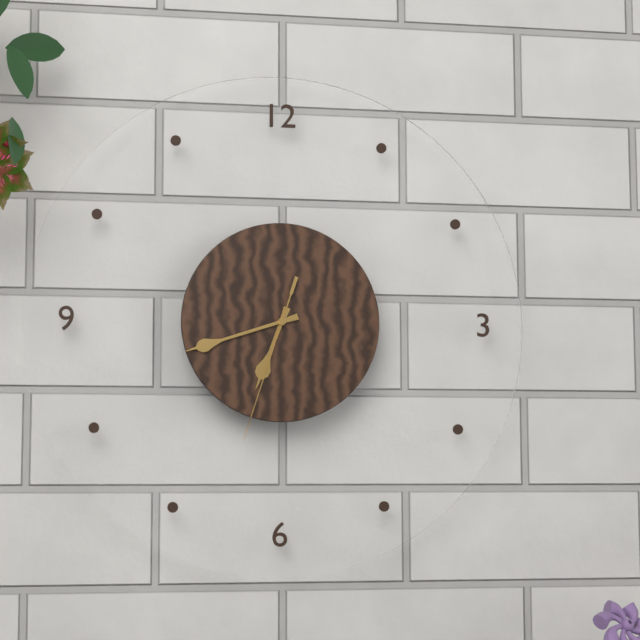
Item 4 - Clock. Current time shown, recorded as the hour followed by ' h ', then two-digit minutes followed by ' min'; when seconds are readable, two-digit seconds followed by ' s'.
6 h 42 min 33 s
